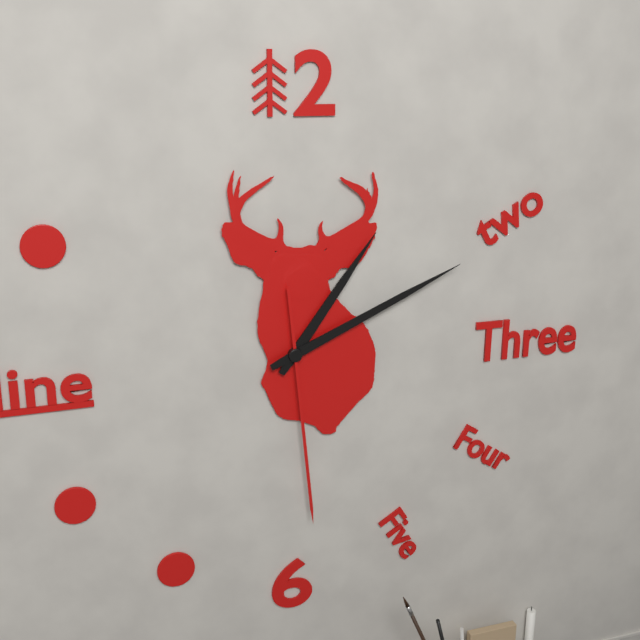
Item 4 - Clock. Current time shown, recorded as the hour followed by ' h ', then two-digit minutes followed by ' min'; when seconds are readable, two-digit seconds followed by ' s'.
1 h 11 min 29 s
